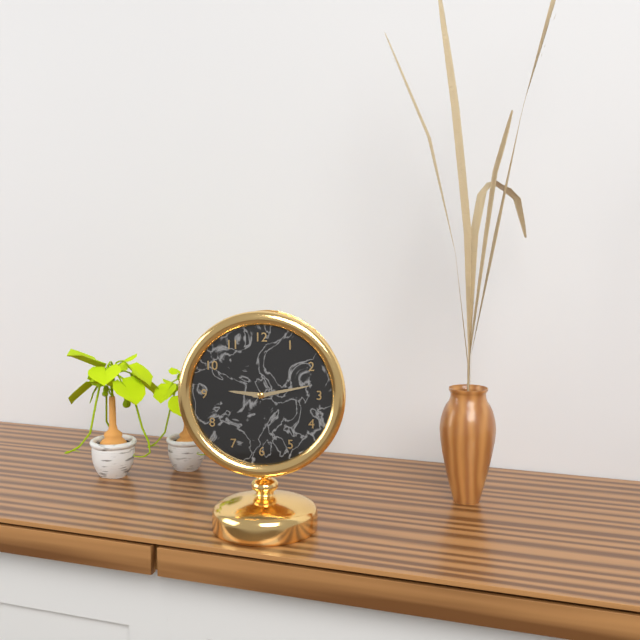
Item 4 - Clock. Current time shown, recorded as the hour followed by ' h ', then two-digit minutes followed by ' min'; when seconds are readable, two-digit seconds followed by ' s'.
9 h 13 min
